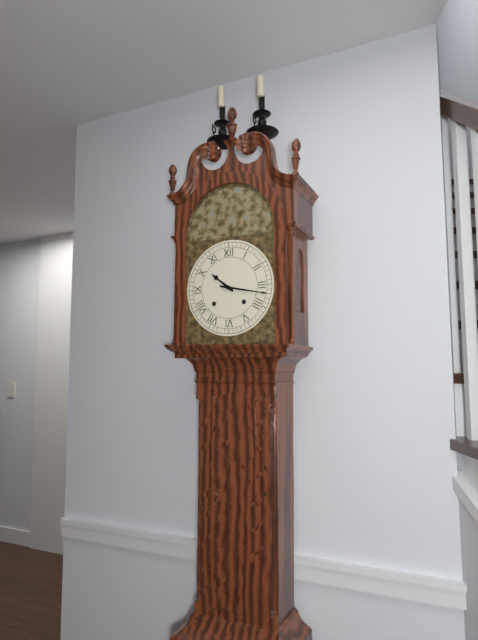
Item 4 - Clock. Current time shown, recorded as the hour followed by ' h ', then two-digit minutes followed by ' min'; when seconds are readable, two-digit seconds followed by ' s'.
10 h 17 min
